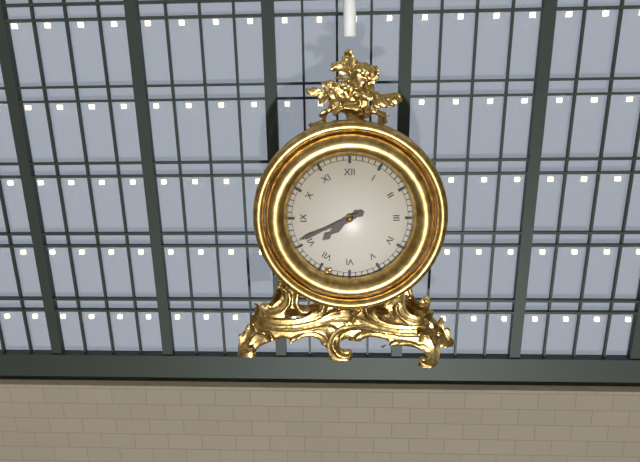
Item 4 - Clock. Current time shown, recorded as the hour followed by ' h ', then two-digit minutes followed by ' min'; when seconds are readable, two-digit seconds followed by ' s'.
7 h 41 min
